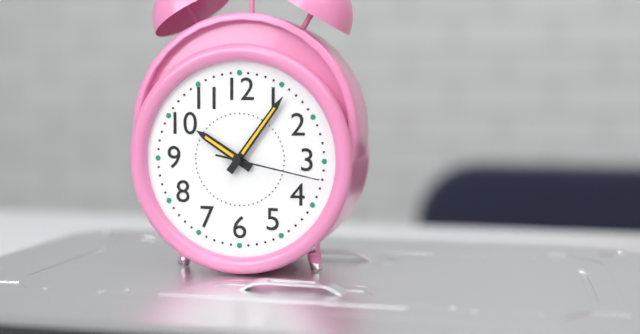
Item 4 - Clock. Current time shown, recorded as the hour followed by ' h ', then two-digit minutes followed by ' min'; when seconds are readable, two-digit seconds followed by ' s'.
10 h 06 min 17 s
